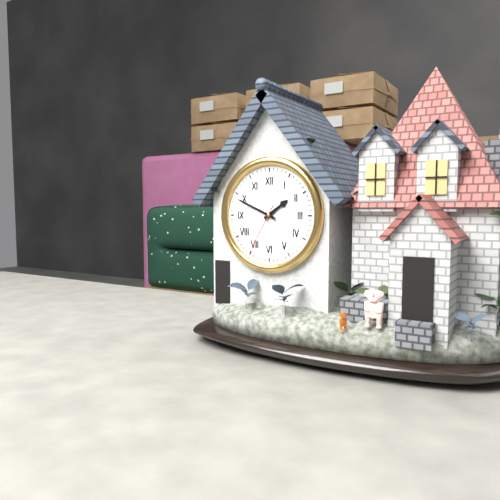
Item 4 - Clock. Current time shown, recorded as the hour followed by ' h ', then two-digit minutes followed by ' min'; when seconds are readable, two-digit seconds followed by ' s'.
1 h 49 min 35 s
